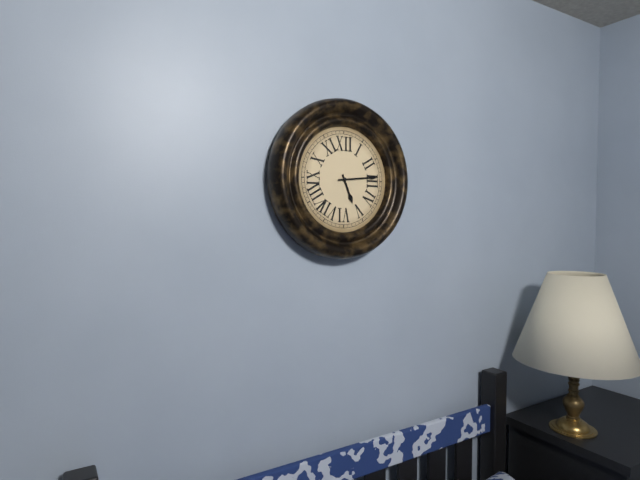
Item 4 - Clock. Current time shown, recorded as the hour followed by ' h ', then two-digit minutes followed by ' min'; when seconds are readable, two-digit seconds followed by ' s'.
5 h 14 min
